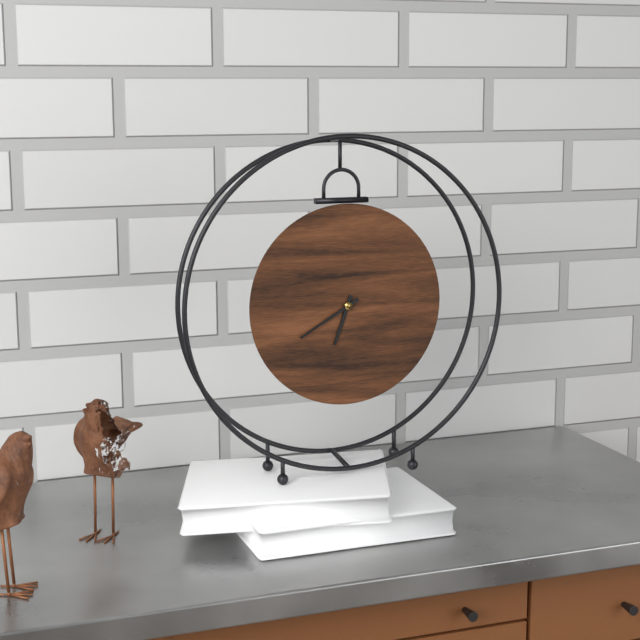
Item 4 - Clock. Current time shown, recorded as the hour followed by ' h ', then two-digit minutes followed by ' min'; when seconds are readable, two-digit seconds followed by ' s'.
6 h 40 min
